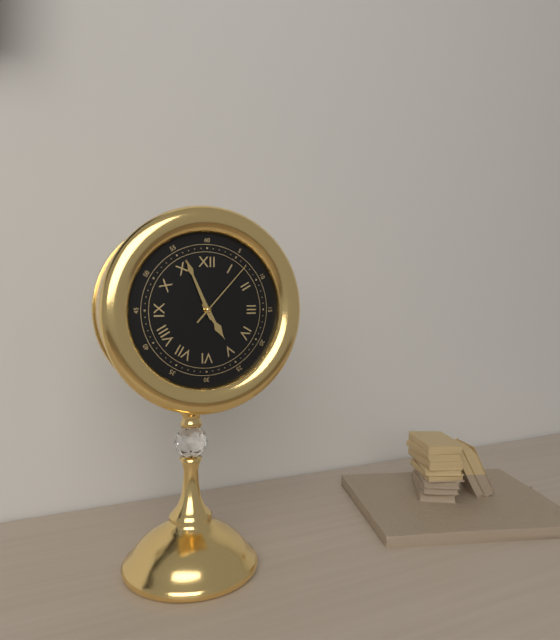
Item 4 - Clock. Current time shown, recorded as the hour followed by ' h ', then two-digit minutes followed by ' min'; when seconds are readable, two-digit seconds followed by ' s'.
4 h 56 min 07 s
